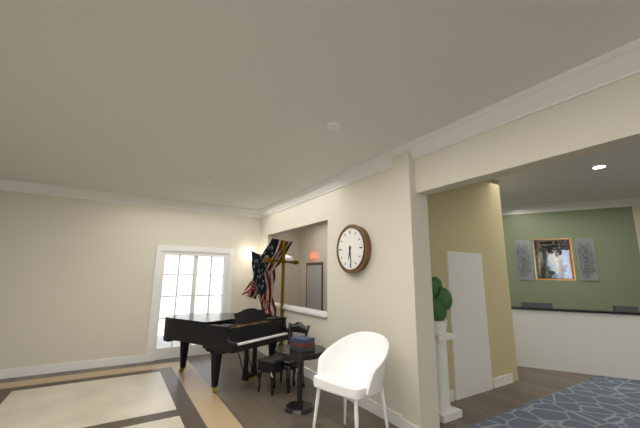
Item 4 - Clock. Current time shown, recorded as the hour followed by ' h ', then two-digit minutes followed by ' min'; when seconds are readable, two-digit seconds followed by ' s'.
6 h 29 min
